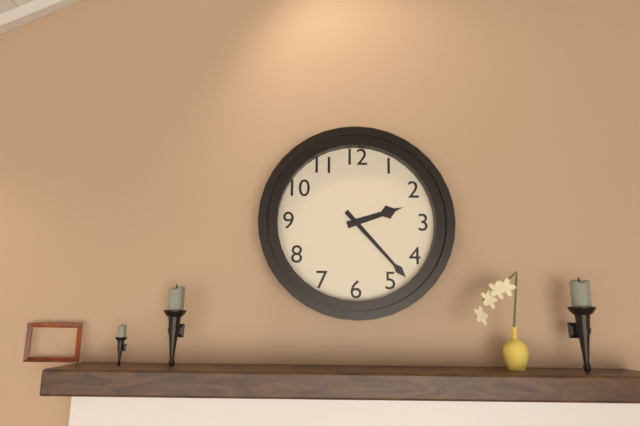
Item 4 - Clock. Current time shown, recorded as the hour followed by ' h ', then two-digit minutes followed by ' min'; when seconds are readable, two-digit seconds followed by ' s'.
2 h 23 min
